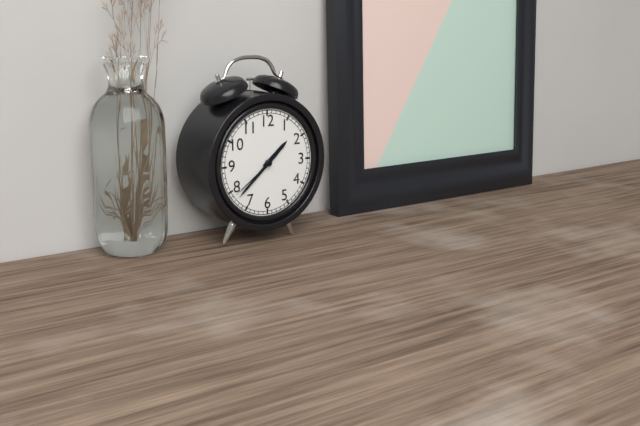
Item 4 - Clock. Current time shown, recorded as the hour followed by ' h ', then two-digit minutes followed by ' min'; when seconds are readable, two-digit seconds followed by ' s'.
1 h 38 min 39 s
